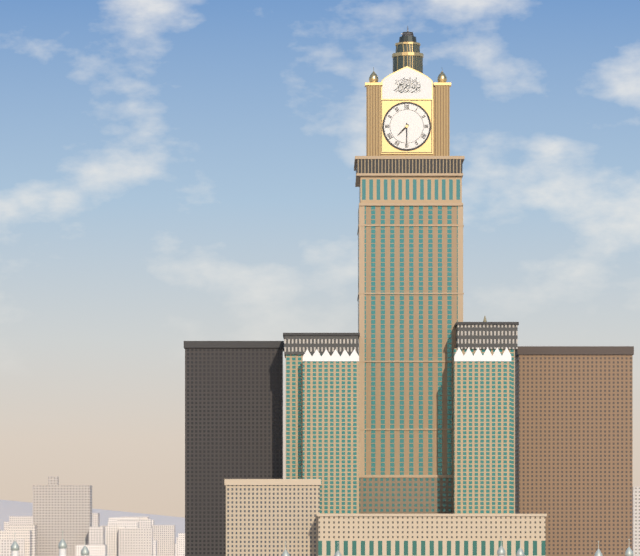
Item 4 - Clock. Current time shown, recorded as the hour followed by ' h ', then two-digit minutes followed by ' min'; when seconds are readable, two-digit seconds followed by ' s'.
7 h 30 min
